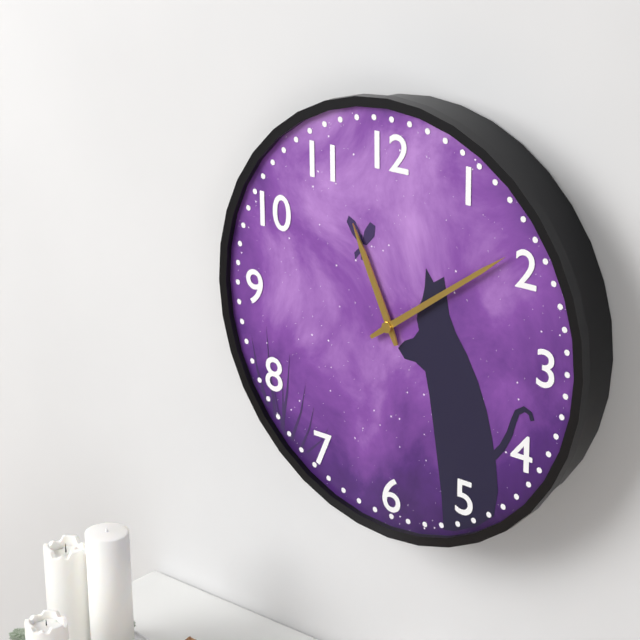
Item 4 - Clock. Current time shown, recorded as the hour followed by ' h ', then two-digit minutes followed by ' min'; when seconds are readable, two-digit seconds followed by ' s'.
11 h 09 min
